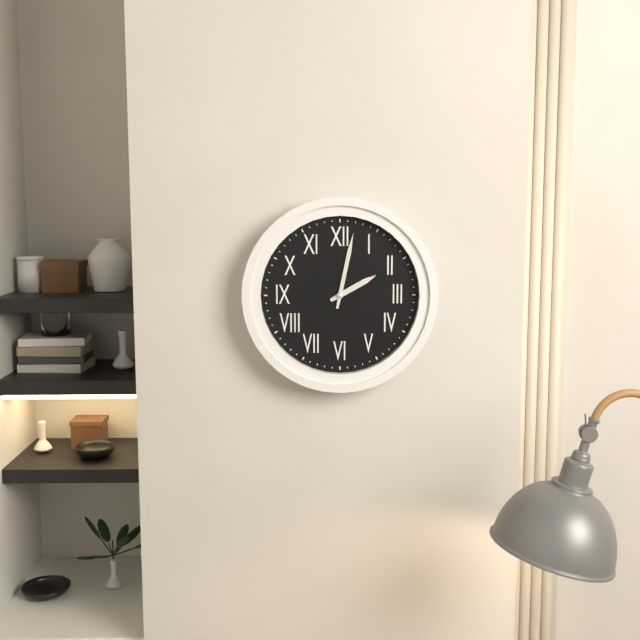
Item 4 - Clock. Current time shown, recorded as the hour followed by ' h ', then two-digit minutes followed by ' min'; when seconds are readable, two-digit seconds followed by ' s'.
2 h 02 min
